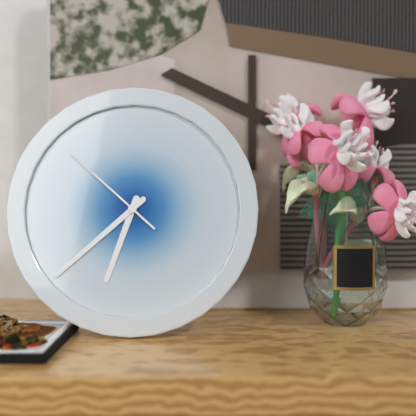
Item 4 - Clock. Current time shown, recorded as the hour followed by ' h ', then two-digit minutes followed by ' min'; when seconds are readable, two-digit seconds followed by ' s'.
6 h 38 min 52 s
